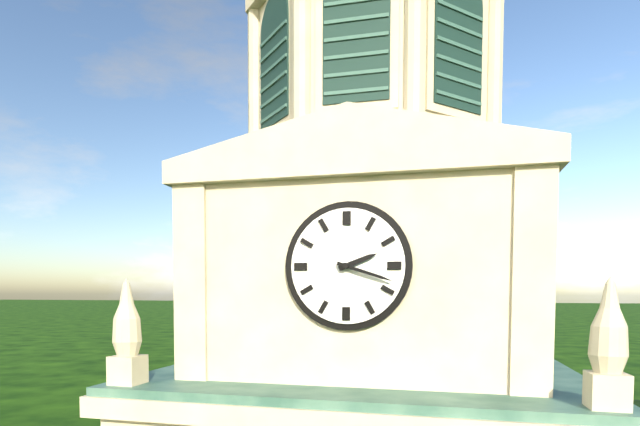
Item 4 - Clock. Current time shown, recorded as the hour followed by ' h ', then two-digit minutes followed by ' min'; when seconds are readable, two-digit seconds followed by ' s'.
2 h 18 min
